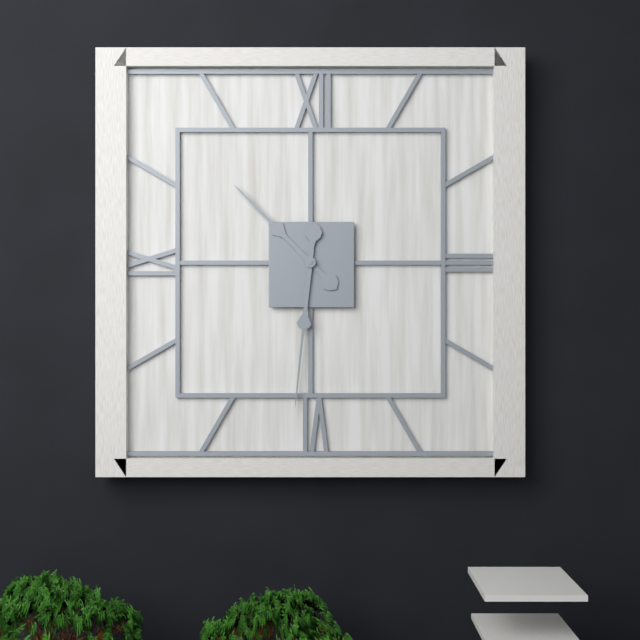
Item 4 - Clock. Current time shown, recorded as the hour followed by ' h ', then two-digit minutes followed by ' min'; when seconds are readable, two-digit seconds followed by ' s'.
10 h 31 min
